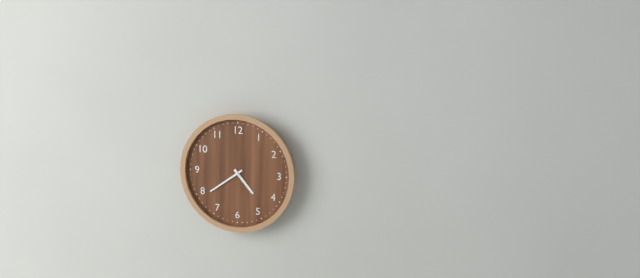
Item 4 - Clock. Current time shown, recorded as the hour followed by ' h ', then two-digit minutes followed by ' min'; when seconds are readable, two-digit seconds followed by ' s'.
4 h 39 min
